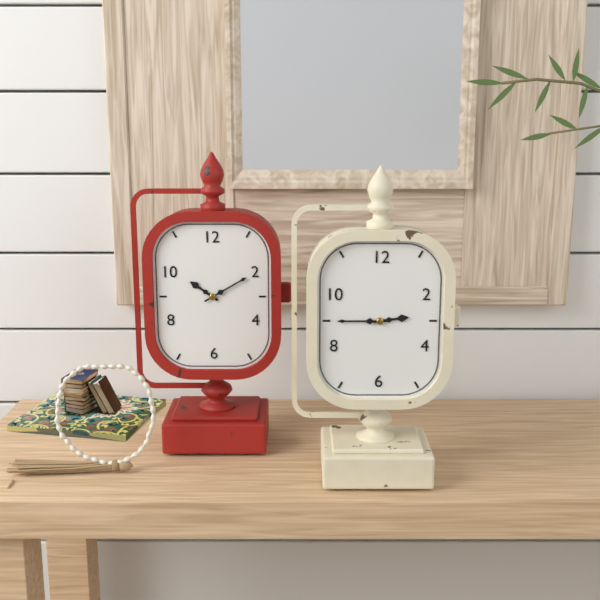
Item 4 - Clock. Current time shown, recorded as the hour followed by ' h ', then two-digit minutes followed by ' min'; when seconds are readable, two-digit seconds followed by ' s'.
2 h 45 min
